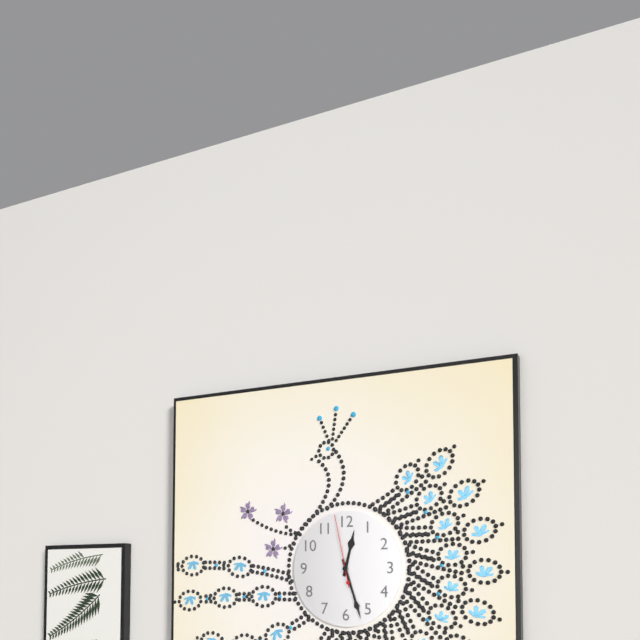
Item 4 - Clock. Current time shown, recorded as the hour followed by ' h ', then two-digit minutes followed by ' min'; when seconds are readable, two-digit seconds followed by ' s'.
12 h 27 min 58 s
